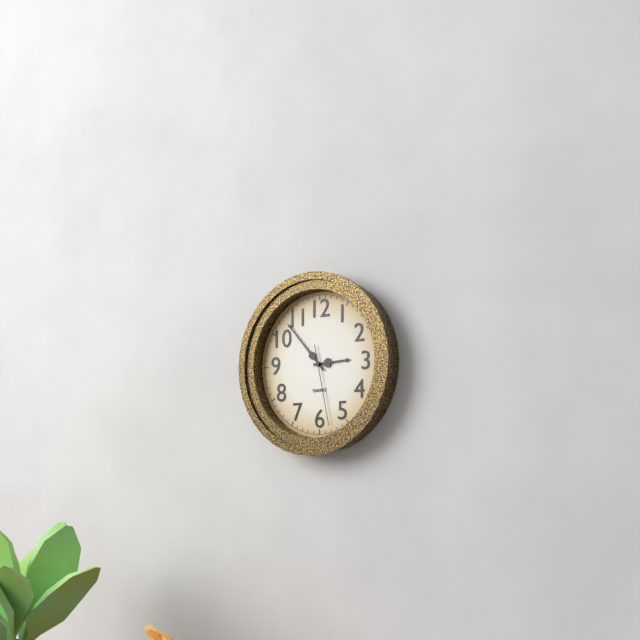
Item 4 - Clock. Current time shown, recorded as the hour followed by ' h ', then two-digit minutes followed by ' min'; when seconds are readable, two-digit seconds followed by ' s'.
2 h 53 min 28 s
